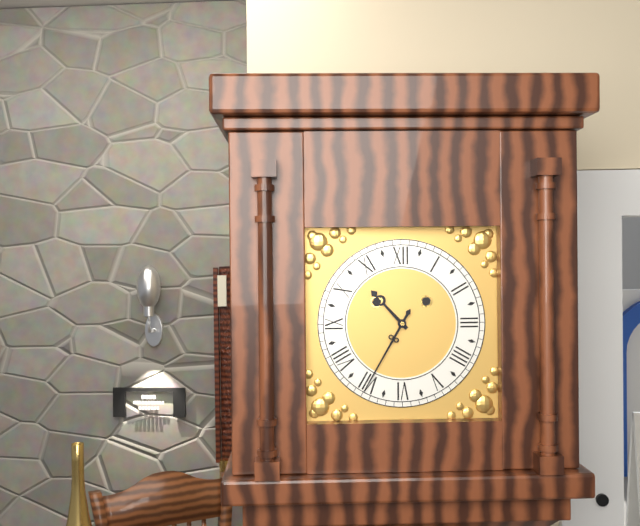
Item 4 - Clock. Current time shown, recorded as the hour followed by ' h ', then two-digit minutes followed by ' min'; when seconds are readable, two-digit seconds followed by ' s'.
10 h 35 min
